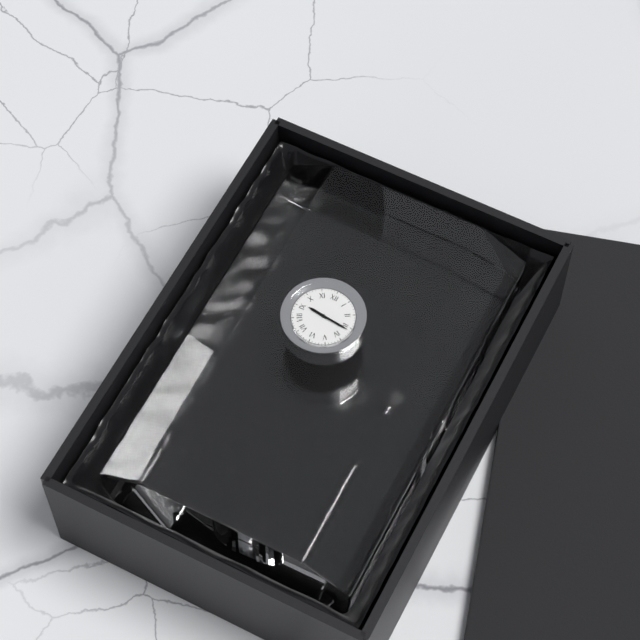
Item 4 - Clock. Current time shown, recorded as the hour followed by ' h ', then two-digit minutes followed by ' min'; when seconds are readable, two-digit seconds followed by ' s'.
9 h 16 min
